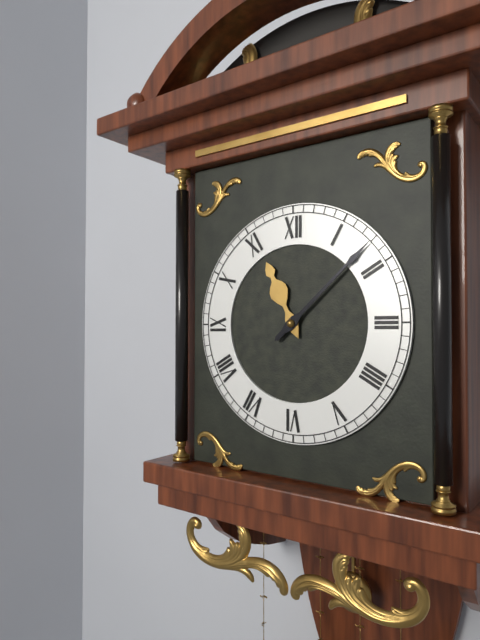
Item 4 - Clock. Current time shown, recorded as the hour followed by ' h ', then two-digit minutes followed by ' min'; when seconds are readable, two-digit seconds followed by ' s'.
11 h 08 min
